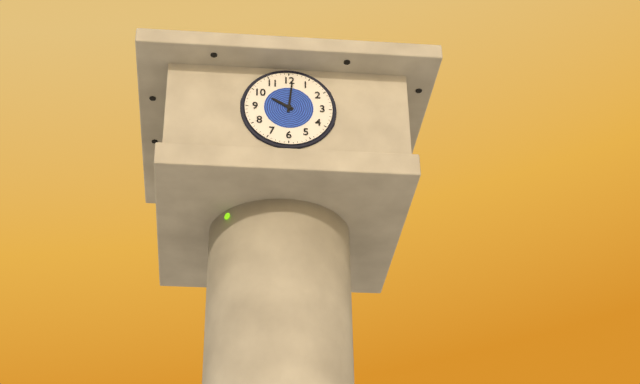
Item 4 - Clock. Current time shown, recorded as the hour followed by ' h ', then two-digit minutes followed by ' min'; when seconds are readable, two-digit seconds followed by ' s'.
10 h 01 min
